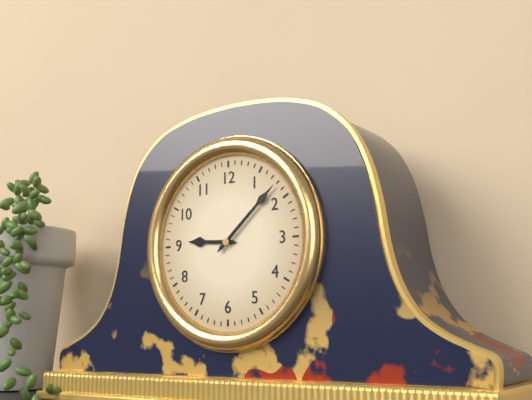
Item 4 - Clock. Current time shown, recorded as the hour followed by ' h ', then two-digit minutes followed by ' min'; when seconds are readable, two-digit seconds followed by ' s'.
9 h 08 min
